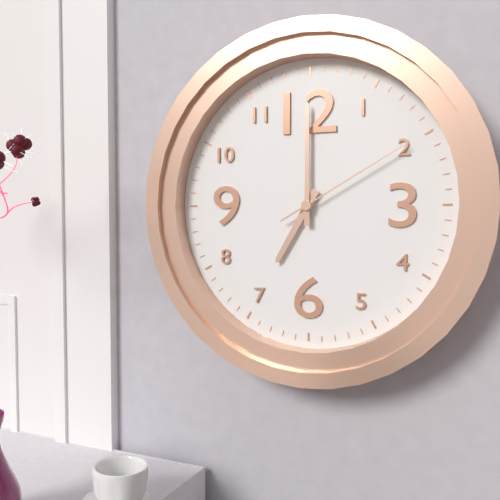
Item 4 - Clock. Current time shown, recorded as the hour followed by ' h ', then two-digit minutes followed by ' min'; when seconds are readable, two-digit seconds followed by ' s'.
7 h 00 min 10 s
